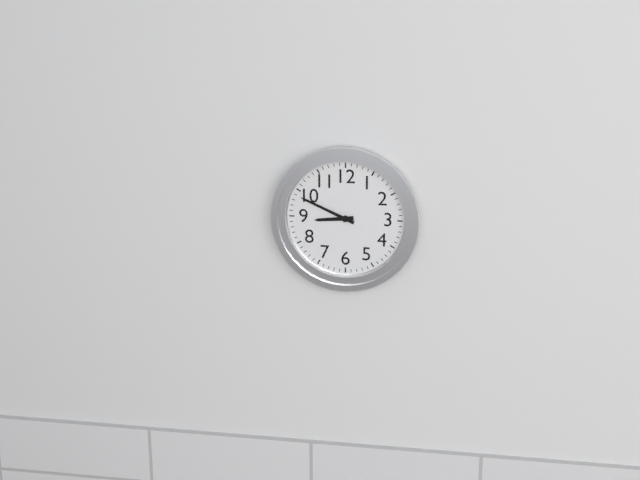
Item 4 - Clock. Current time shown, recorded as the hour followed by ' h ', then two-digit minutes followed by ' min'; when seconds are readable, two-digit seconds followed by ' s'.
8 h 49 min
